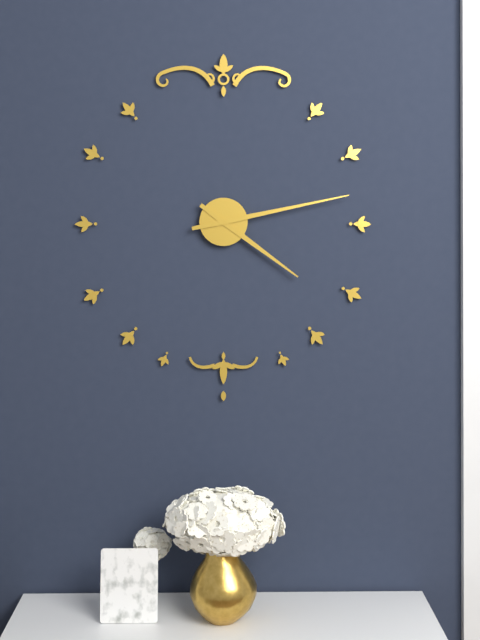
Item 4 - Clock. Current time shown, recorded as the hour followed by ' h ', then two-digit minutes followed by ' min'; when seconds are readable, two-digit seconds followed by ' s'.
4 h 13 min
